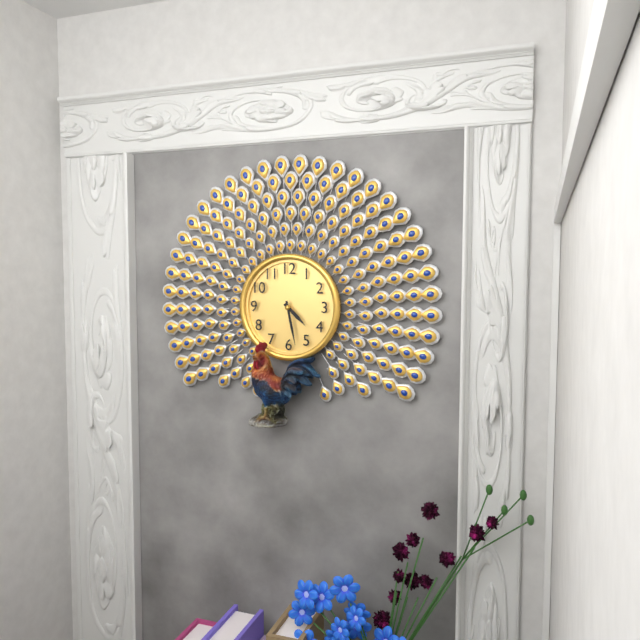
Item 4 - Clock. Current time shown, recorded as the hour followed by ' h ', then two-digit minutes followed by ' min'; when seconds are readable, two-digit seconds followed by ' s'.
4 h 28 min
